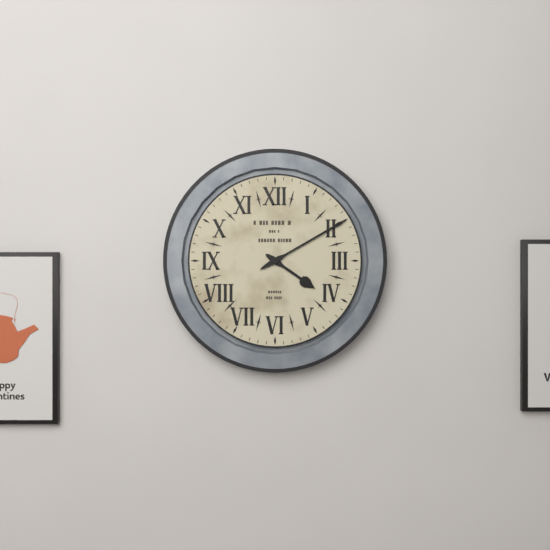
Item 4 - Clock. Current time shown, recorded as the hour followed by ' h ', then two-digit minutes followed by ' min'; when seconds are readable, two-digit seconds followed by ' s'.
4 h 10 min
